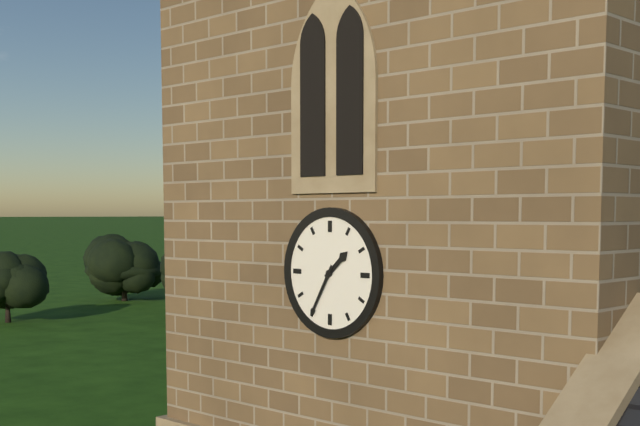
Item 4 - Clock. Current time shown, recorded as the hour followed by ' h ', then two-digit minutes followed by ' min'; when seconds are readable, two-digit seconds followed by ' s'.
1 h 35 min
